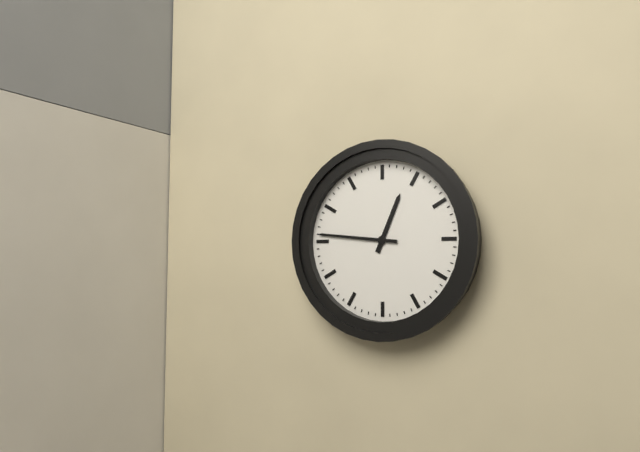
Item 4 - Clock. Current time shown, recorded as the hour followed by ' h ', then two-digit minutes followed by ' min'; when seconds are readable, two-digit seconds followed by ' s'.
12 h 46 min
